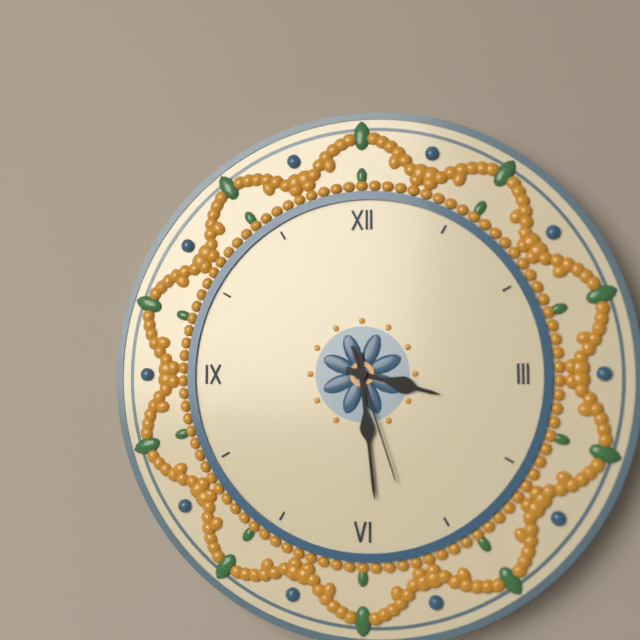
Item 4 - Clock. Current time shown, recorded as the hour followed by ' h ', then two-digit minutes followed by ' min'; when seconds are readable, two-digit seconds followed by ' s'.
3 h 29 min 27 s
